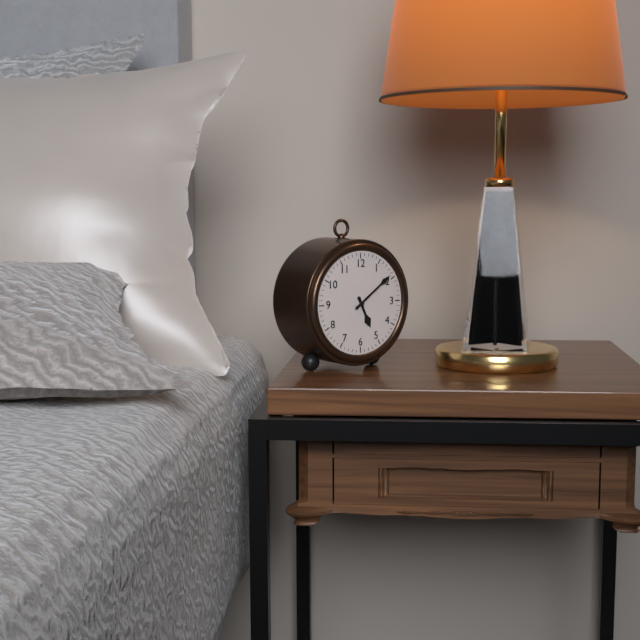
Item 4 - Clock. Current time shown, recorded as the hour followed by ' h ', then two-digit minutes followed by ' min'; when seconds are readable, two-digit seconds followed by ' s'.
5 h 09 min
